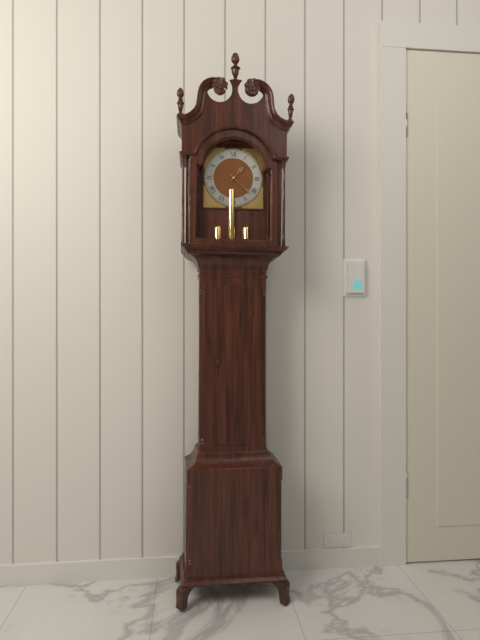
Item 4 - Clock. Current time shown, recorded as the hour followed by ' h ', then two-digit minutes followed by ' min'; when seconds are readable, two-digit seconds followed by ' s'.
1 h 22 min
